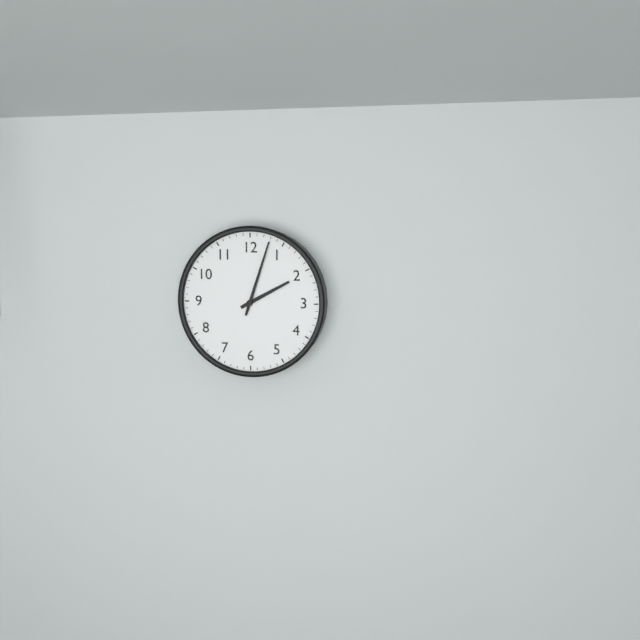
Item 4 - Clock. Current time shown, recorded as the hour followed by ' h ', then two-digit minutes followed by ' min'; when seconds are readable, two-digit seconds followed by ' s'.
2 h 03 min
